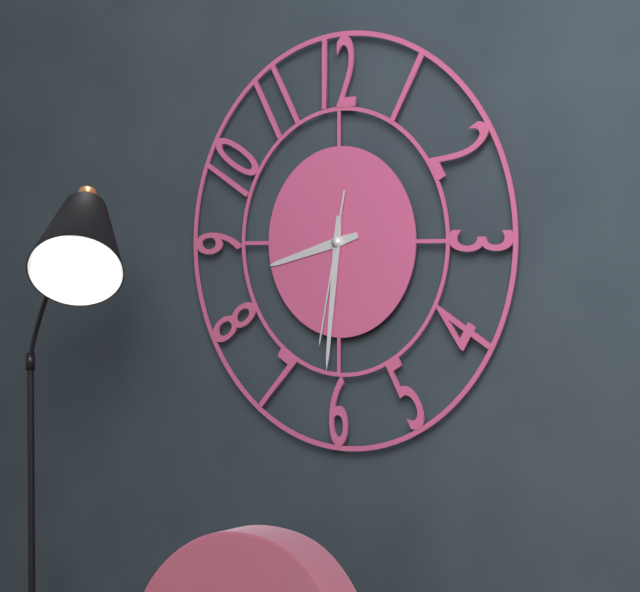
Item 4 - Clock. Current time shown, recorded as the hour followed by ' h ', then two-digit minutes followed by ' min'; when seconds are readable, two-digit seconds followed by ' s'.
8 h 31 min 32 s
